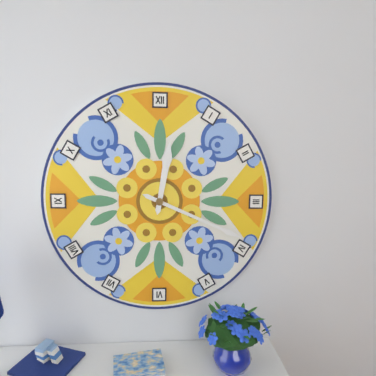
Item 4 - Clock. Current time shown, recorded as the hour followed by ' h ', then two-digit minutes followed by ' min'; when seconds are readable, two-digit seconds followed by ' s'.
12 h 19 min
